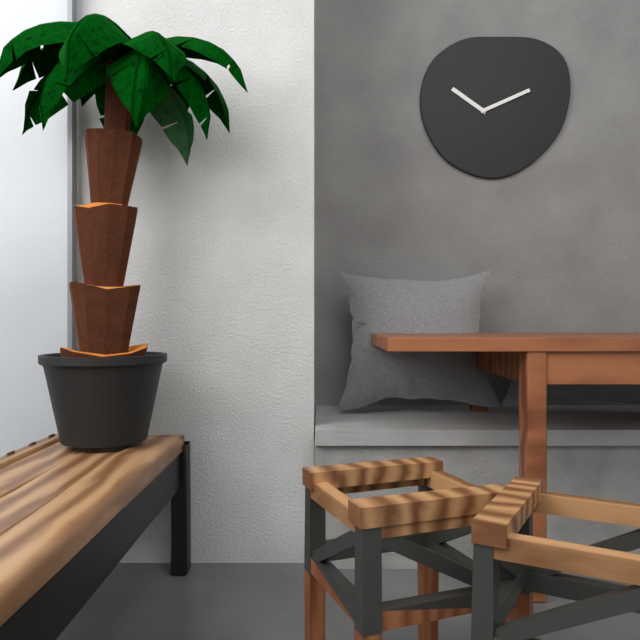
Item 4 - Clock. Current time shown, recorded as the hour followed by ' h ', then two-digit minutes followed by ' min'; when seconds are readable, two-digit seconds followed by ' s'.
10 h 11 min
